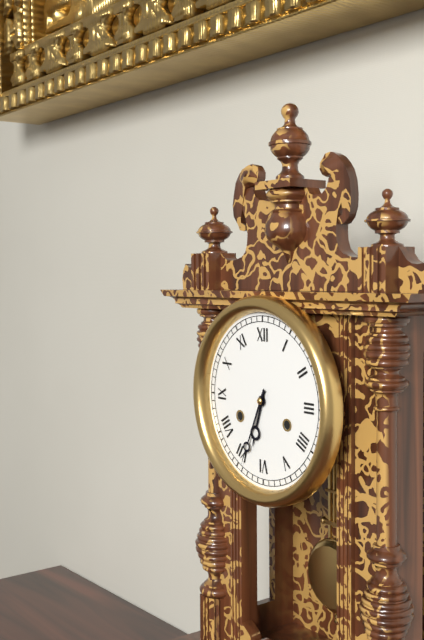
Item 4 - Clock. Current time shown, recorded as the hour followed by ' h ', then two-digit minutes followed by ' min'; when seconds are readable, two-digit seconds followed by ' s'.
6 h 34 min
